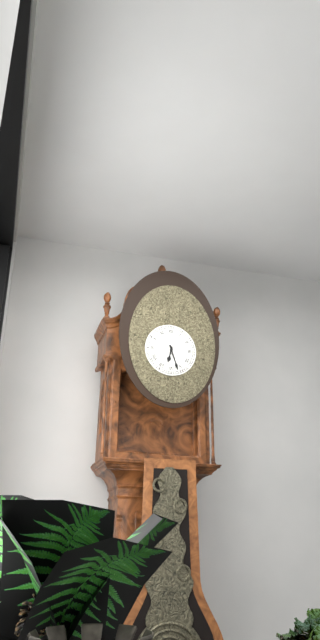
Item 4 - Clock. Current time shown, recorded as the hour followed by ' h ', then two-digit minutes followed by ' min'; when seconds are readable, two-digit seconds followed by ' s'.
6 h 27 min
